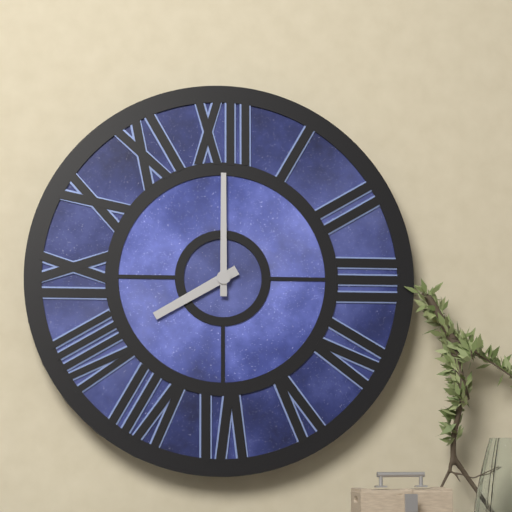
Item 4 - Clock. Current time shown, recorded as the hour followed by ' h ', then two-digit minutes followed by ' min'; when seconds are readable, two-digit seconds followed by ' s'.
8 h 00 min
